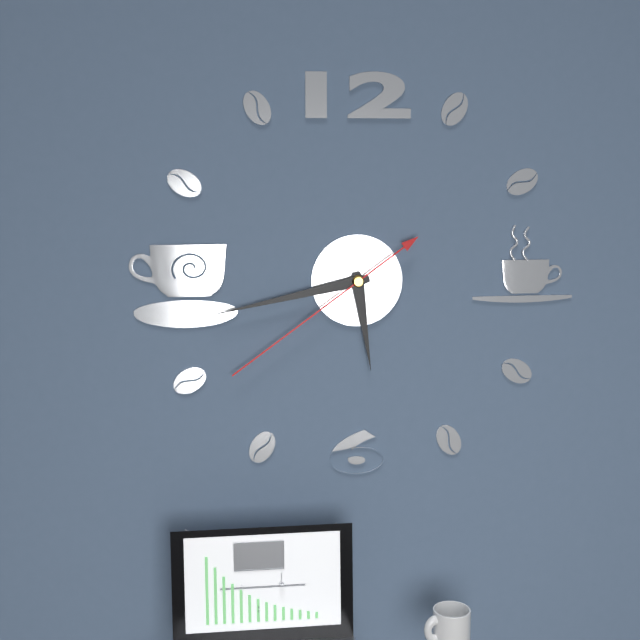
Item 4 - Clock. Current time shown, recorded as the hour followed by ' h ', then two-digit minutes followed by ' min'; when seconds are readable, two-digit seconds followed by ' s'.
5 h 43 min 39 s
